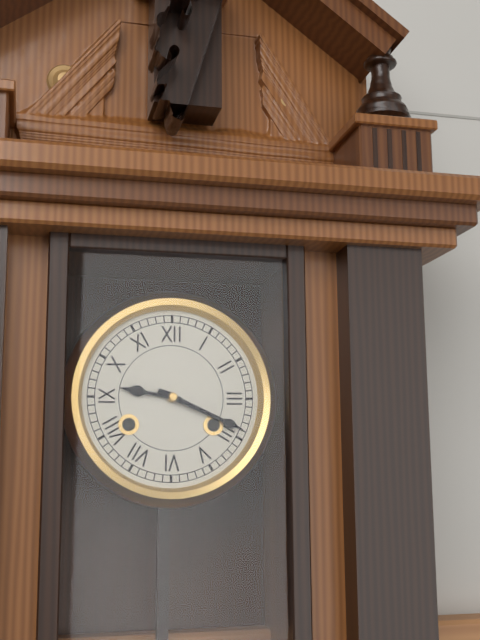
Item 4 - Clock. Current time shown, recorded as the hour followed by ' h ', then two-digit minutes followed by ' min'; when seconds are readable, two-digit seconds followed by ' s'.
9 h 19 min
